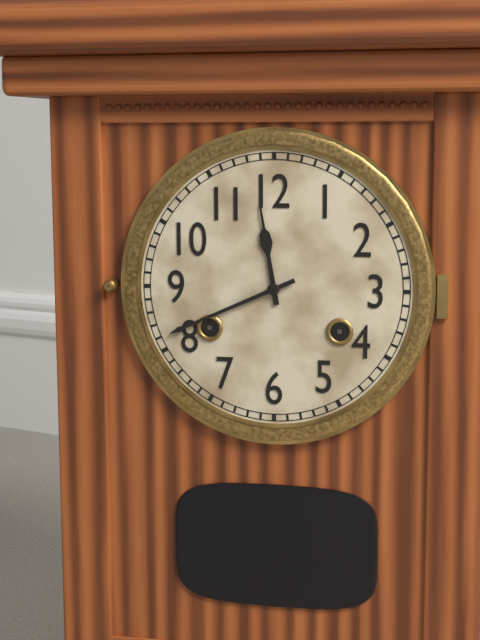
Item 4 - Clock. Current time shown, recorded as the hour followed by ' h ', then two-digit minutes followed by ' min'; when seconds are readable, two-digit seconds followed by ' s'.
11 h 41 min
